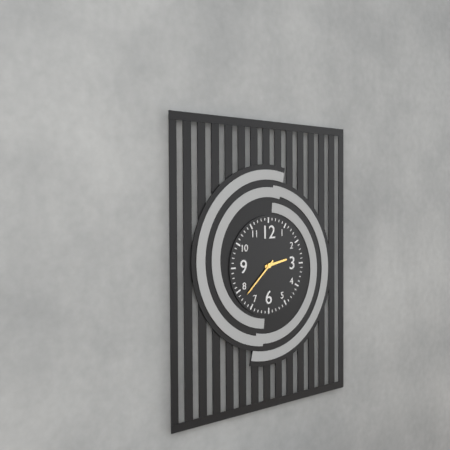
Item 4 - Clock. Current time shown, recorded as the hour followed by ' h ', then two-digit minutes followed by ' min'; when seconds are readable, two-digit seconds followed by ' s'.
2 h 38 min
